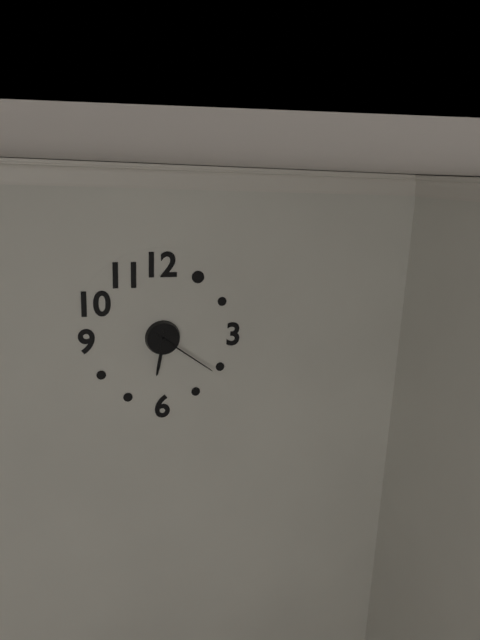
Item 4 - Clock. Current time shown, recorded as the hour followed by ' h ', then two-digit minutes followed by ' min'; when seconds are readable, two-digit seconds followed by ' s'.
6 h 21 min
